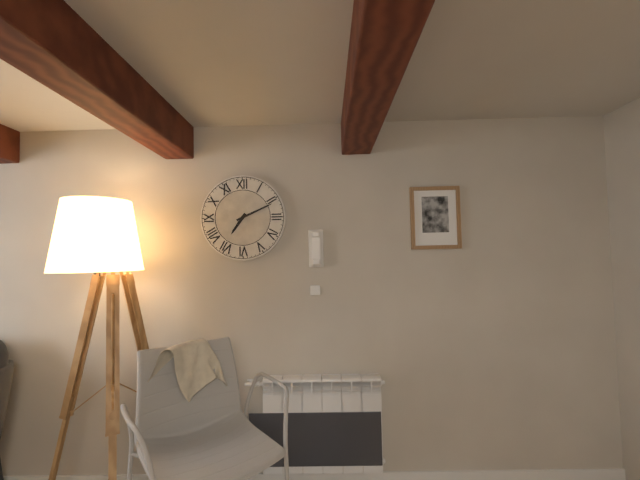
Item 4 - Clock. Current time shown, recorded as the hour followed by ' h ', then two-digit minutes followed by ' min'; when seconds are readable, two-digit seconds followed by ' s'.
7 h 11 min
